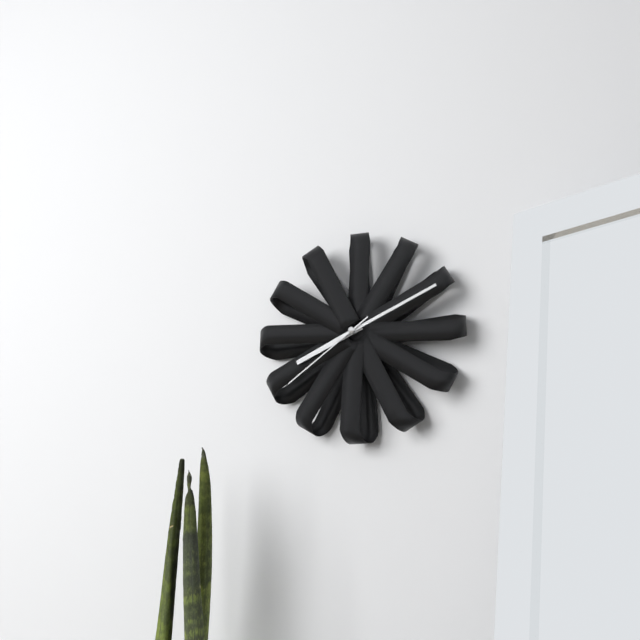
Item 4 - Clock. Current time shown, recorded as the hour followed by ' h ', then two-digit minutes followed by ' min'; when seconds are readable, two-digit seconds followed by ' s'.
8 h 11 min 39 s
